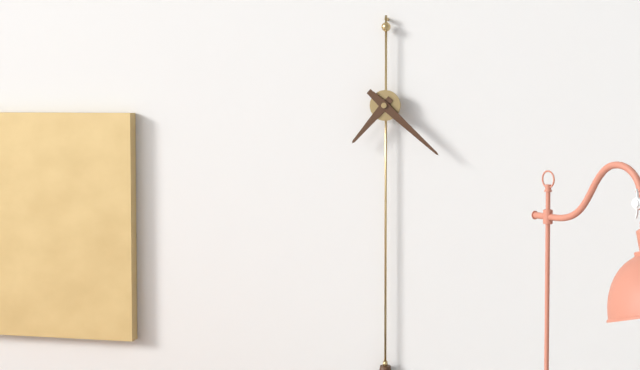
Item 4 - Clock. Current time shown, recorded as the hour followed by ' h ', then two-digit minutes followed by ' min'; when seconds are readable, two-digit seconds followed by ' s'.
7 h 22 min
